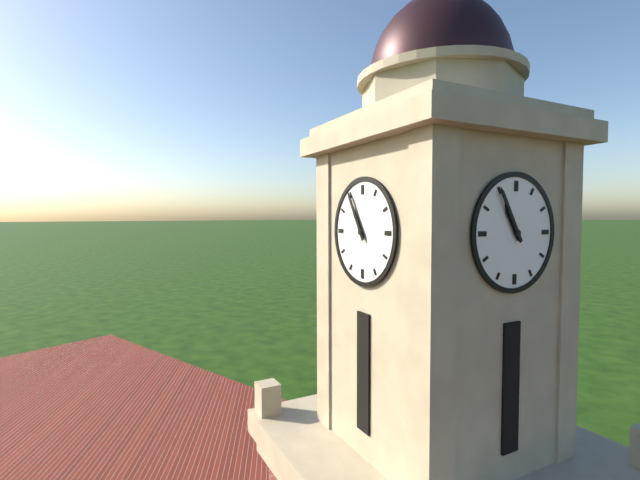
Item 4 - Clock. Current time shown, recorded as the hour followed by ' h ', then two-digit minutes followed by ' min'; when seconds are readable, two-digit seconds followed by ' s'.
10 h 55 min
